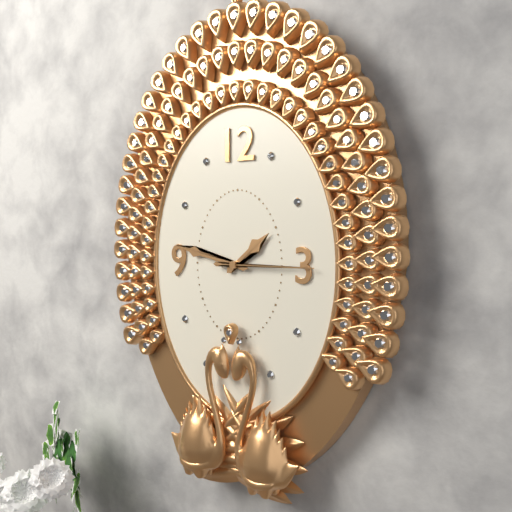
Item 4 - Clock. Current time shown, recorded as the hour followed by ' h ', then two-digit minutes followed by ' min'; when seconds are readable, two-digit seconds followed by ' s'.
1 h 47 min 15 s
